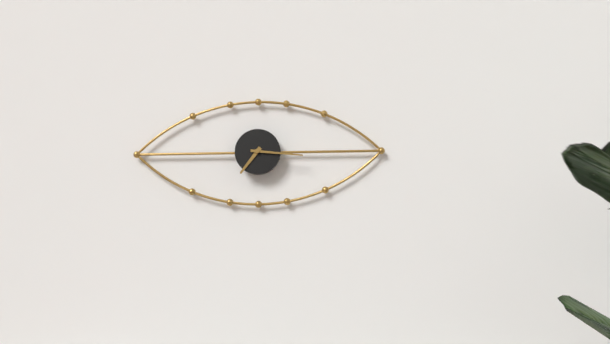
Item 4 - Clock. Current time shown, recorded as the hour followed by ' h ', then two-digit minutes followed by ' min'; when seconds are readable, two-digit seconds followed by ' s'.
7 h 16 min
